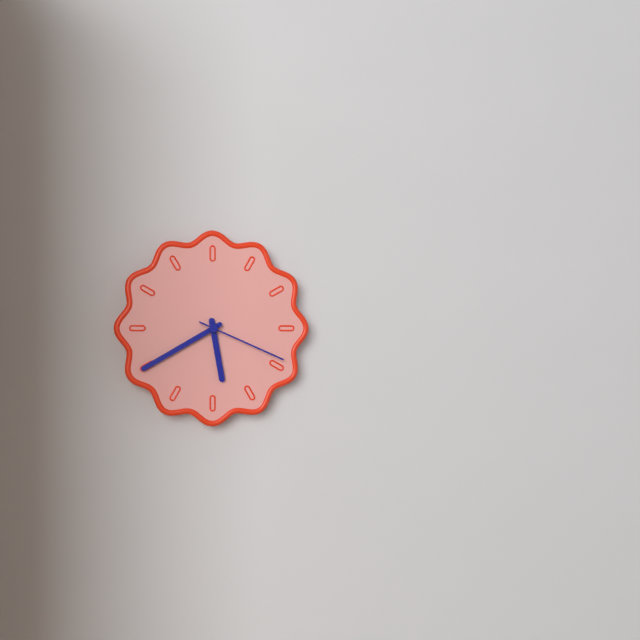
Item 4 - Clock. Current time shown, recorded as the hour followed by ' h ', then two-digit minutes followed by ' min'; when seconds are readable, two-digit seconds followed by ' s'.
5 h 40 min 19 s
